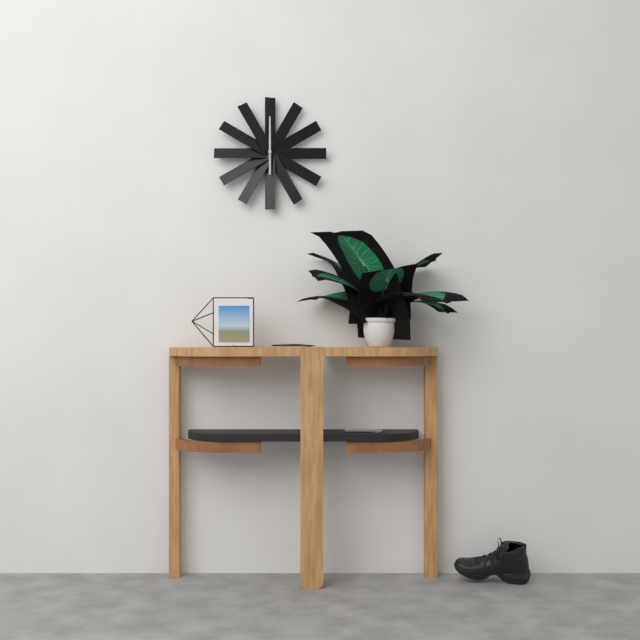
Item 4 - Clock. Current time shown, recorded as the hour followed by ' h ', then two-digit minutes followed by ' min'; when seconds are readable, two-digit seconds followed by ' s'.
6 h 00 min
